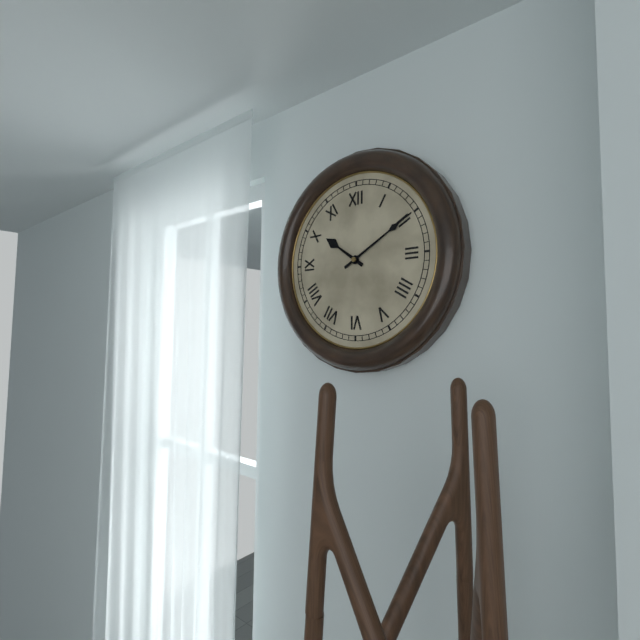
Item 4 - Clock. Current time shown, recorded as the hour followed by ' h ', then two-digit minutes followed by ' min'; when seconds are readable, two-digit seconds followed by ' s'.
10 h 10 min
